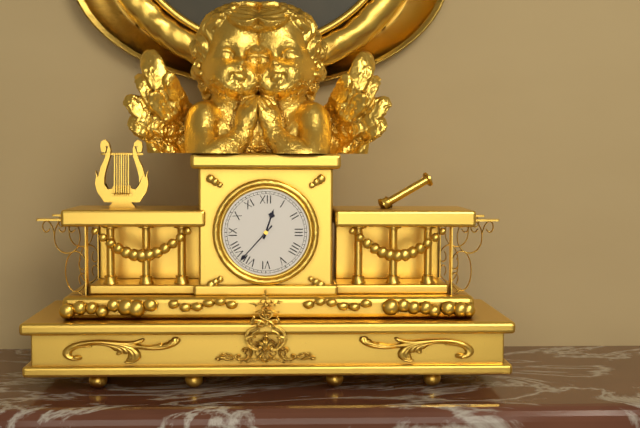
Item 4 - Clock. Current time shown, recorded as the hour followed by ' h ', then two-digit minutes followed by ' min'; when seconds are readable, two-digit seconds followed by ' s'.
12 h 37 min
